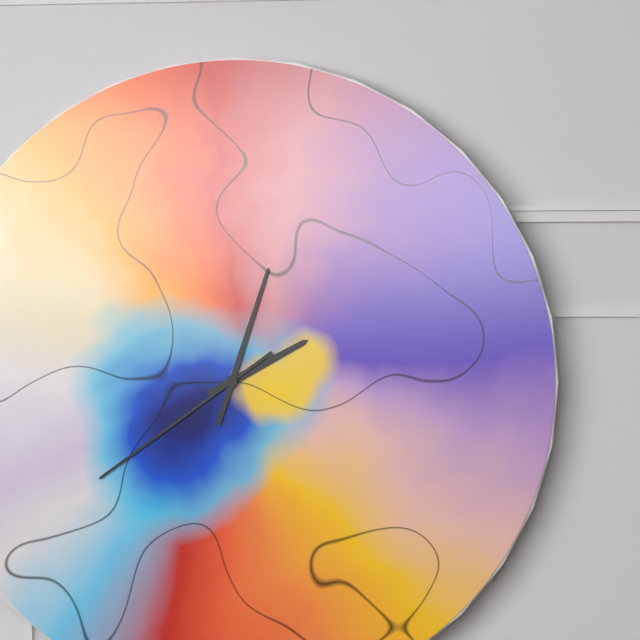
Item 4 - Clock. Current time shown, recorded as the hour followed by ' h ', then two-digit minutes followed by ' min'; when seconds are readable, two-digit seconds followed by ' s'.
2 h 03 min 39 s
